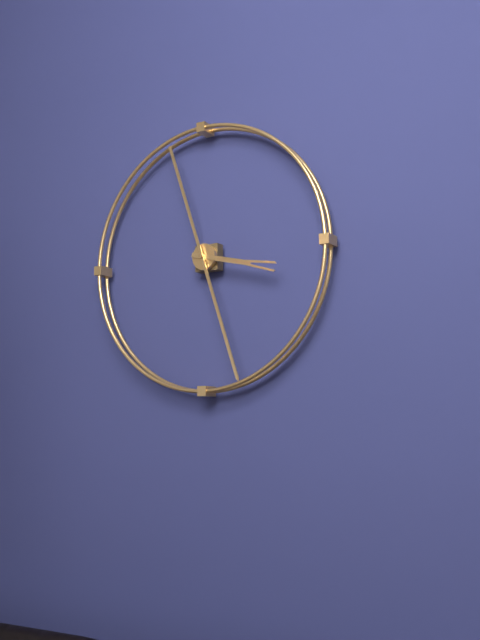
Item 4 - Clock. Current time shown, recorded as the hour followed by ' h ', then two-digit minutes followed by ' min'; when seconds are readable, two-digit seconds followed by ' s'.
3 h 27 min
